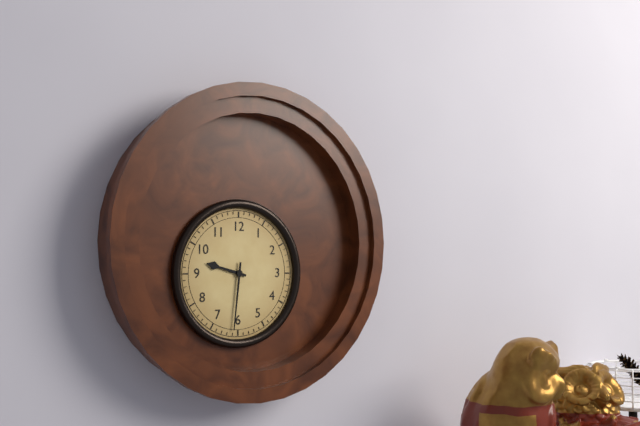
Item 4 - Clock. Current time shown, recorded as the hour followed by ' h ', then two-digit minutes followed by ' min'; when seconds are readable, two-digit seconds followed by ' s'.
9 h 31 min
